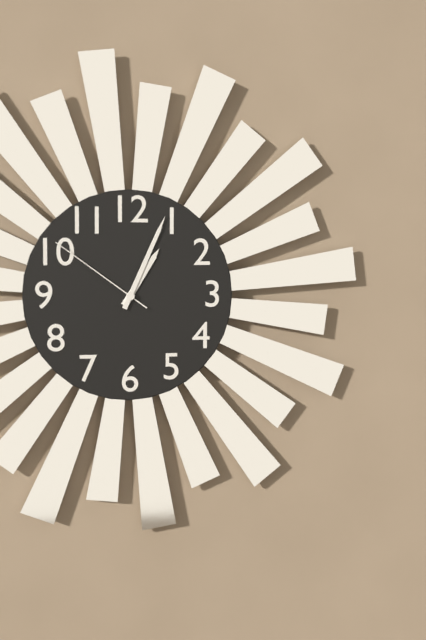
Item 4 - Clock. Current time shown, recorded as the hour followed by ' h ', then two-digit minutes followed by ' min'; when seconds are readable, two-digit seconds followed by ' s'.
1 h 04 min 51 s
